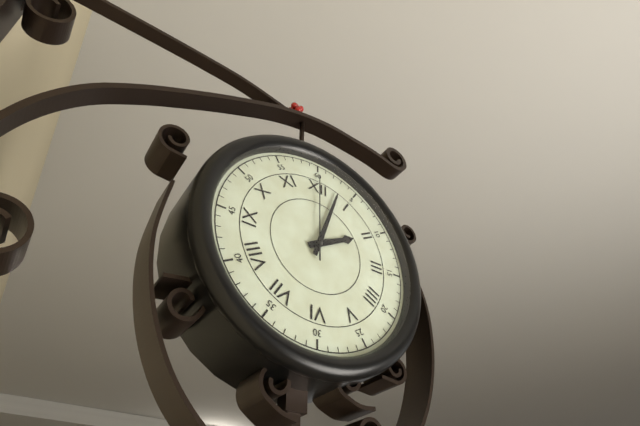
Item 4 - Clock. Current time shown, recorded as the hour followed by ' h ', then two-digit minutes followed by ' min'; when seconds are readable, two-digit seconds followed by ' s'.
2 h 03 min 00 s
